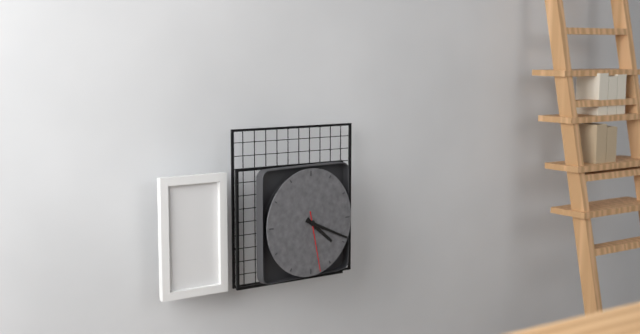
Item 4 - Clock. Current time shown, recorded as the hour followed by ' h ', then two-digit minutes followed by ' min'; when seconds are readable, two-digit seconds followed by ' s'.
4 h 19 min 28 s
